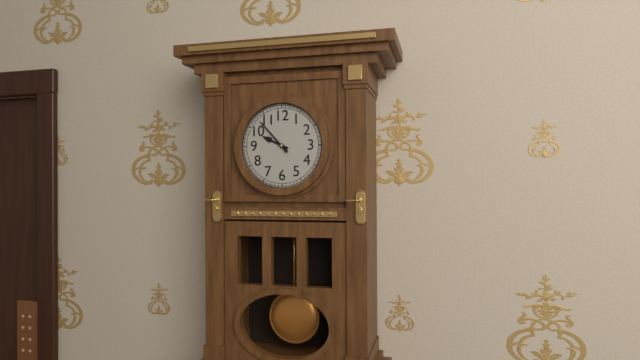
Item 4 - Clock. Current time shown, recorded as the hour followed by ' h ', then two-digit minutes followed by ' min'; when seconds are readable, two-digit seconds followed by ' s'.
9 h 53 min
